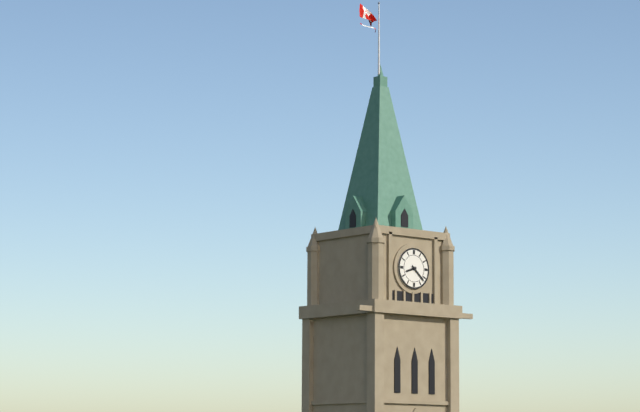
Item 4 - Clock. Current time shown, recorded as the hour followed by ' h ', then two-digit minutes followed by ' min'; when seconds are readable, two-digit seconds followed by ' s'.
8 h 22 min
